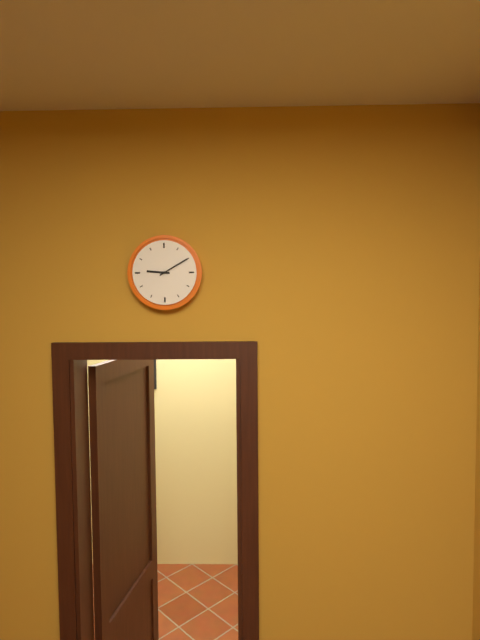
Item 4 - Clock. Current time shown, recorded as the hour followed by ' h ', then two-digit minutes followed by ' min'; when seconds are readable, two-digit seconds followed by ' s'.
9 h 10 min
